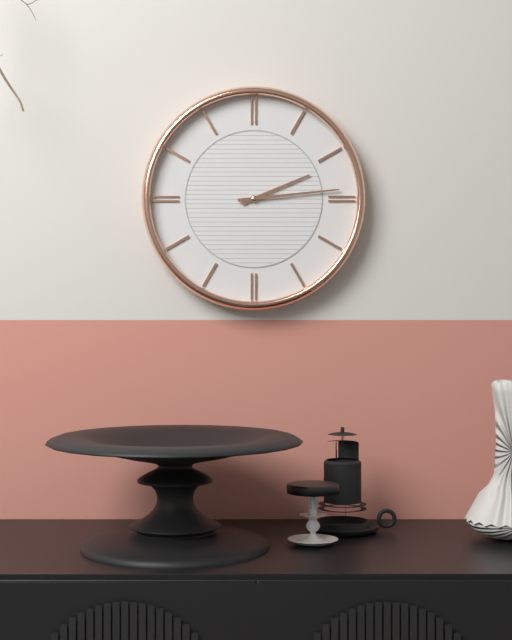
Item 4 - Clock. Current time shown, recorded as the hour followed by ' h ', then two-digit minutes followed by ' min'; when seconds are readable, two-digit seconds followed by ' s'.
2 h 14 min
